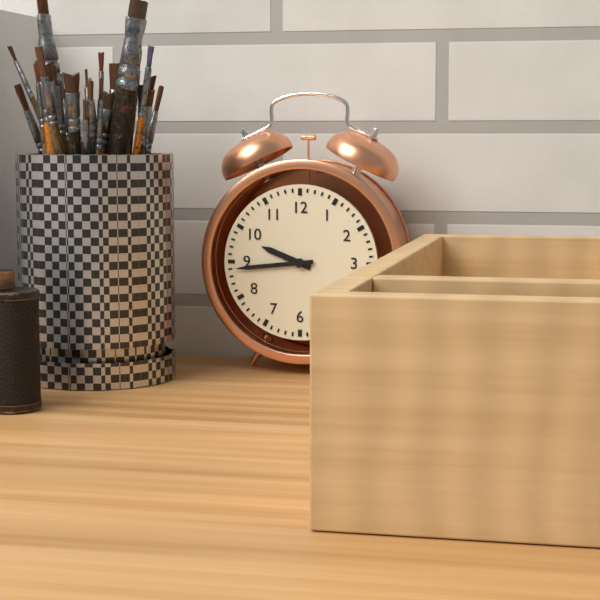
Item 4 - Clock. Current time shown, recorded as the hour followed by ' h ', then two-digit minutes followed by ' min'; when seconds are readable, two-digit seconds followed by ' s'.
9 h 44 min
